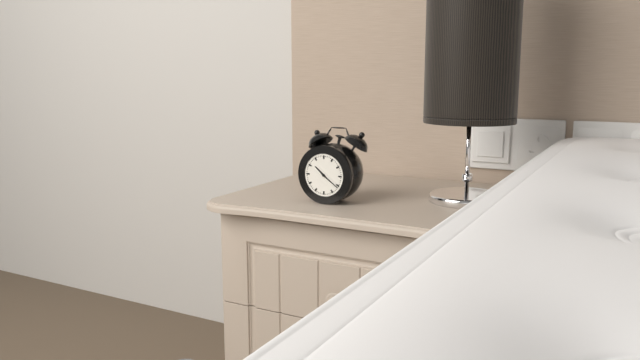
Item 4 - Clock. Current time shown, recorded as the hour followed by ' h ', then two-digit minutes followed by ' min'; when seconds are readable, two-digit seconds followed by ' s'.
10 h 21 min
